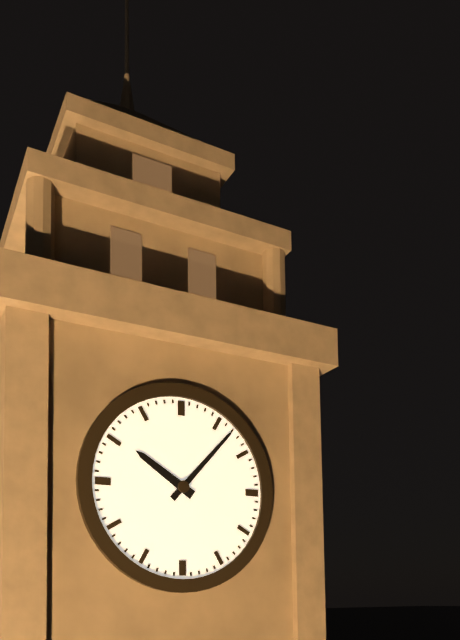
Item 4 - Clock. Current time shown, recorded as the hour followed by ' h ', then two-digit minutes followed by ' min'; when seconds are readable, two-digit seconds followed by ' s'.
10 h 07 min
